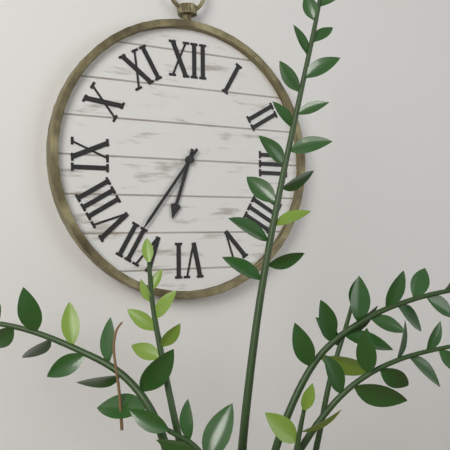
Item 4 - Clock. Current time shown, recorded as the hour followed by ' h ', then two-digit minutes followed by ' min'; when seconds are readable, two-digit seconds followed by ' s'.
6 h 36 min
